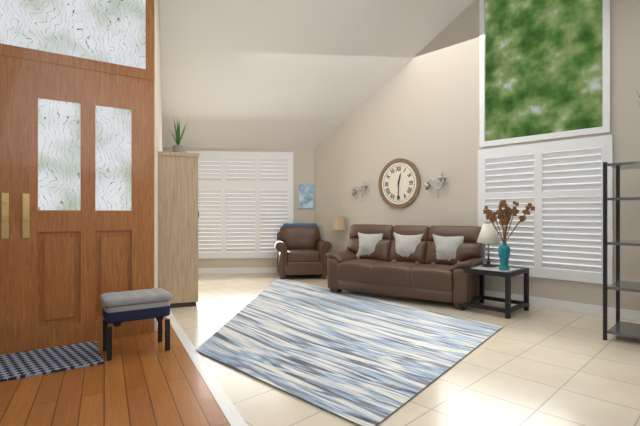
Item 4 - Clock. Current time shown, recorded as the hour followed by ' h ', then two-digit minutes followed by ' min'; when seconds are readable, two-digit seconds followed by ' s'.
12 h 30 min
